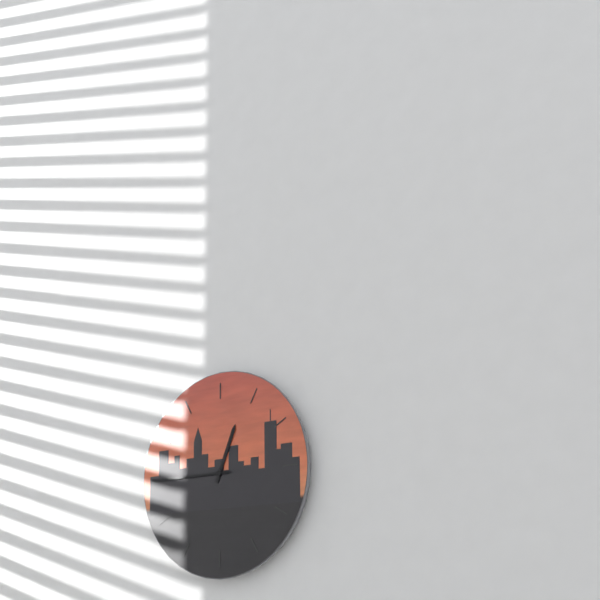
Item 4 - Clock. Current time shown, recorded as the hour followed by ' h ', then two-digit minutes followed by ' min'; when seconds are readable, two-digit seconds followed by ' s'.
12 h 45 min
